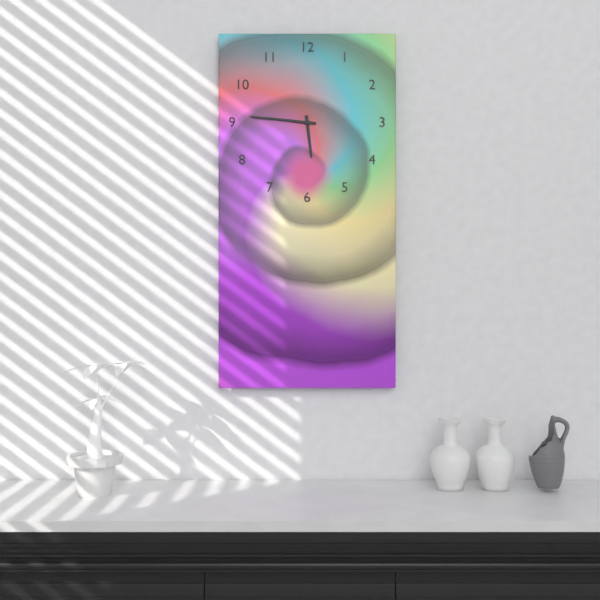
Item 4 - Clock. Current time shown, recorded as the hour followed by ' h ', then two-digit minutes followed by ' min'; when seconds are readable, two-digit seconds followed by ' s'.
5 h 46 min
